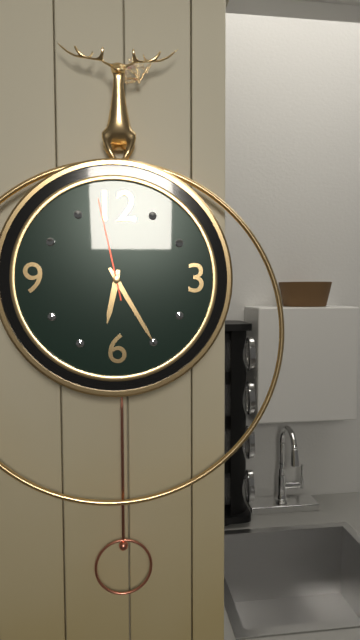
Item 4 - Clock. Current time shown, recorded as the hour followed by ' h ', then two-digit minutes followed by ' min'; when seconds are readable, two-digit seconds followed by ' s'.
6 h 25 min 58 s
